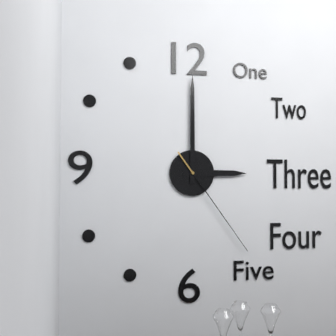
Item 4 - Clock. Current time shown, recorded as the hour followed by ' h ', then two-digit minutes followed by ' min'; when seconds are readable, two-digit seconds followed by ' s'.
3 h 00 min 24 s
